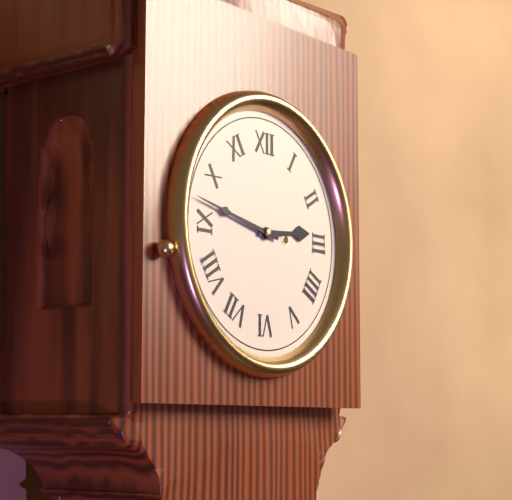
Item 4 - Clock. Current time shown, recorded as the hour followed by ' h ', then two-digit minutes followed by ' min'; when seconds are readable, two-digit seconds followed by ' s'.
2 h 47 min
